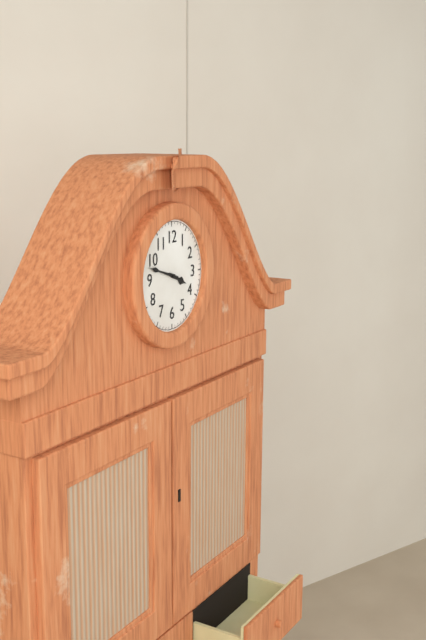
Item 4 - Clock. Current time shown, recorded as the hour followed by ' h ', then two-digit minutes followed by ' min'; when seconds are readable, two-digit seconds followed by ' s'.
3 h 48 min
